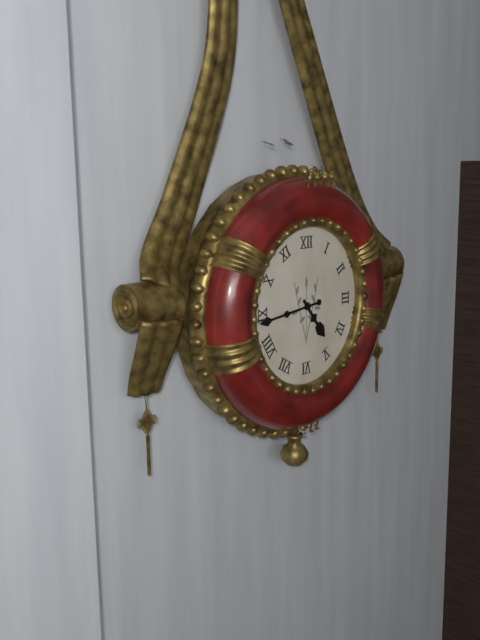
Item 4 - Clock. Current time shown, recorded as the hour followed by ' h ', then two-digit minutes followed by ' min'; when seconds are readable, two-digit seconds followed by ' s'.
4 h 44 min
